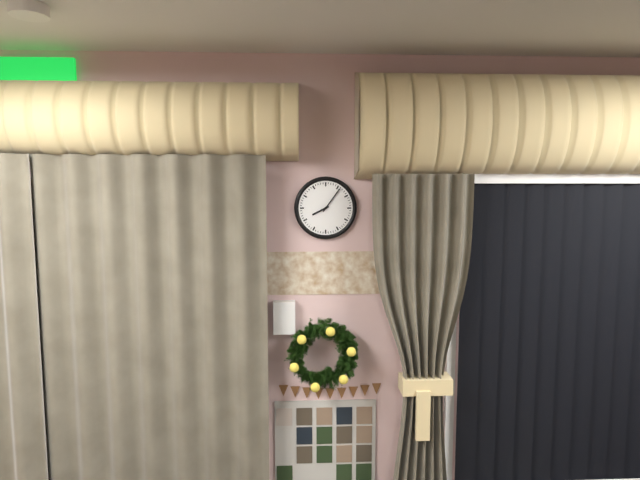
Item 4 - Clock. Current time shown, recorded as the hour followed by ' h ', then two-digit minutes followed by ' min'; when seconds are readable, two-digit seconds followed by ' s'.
8 h 06 min
